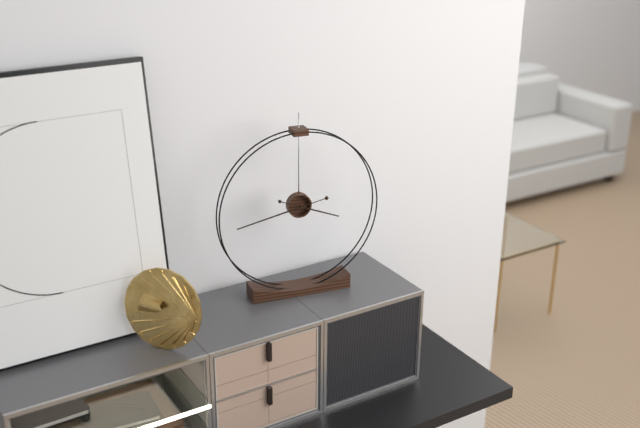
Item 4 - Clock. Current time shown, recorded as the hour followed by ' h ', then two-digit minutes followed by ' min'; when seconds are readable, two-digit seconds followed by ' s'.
3 h 43 min
